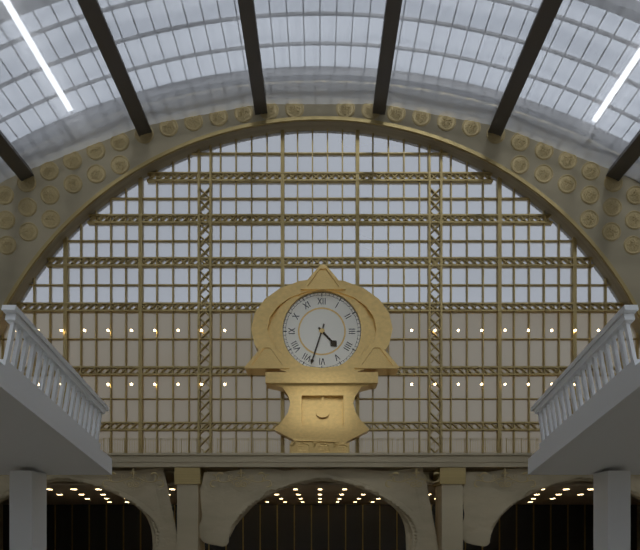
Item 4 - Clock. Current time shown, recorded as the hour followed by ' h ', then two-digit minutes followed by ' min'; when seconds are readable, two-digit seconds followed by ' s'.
4 h 33 min
